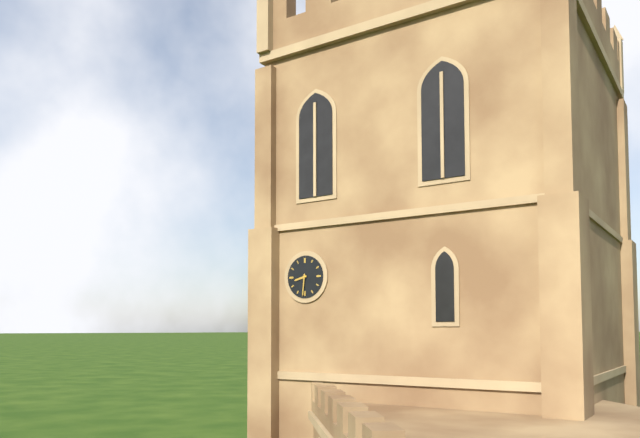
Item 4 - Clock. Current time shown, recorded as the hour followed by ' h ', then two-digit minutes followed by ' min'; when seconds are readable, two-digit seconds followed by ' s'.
8 h 31 min
